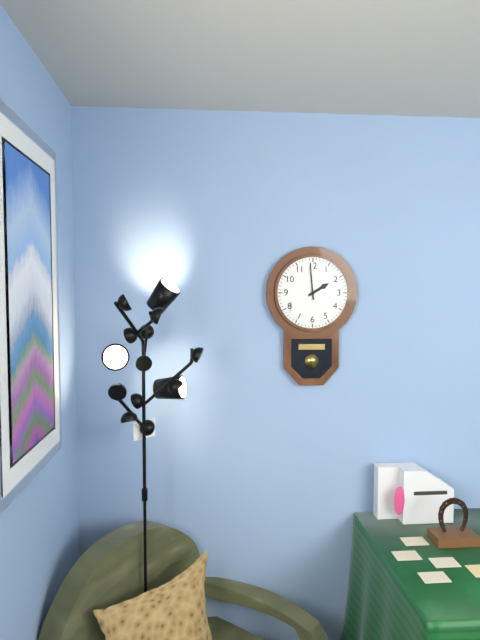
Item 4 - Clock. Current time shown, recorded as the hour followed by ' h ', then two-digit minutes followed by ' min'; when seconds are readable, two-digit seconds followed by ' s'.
1 h 59 min
